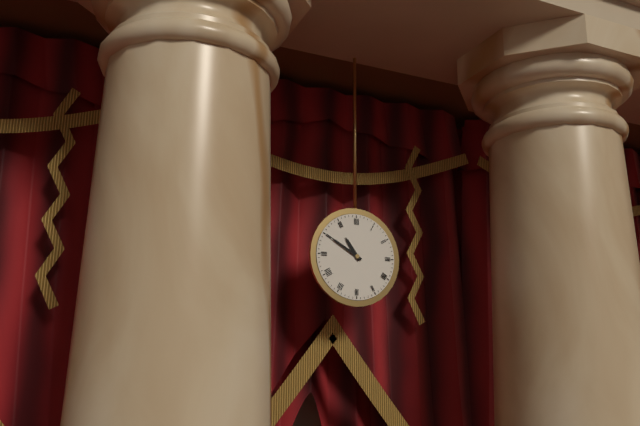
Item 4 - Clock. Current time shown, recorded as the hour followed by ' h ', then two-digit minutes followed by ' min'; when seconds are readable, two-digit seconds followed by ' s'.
10 h 50 min
